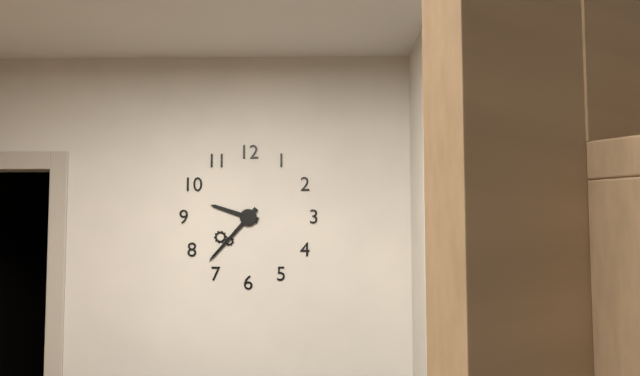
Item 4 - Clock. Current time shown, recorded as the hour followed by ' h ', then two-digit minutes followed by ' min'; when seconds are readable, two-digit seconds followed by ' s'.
9 h 37 min
